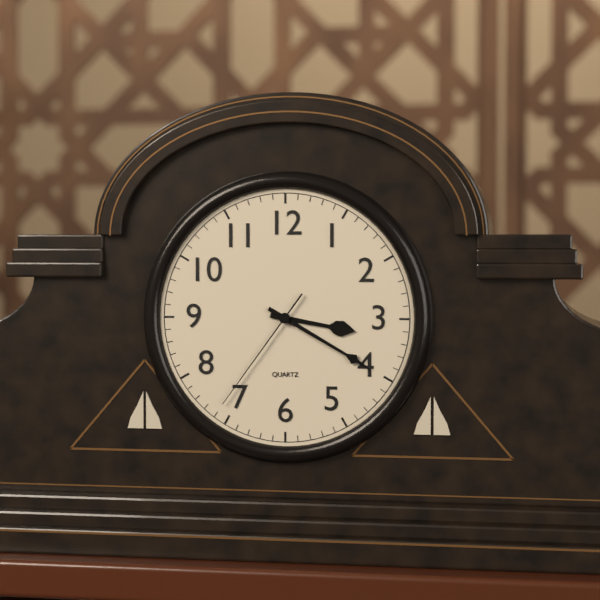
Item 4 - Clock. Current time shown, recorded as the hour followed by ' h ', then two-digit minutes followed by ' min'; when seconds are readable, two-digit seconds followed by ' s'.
3 h 20 min 36 s
